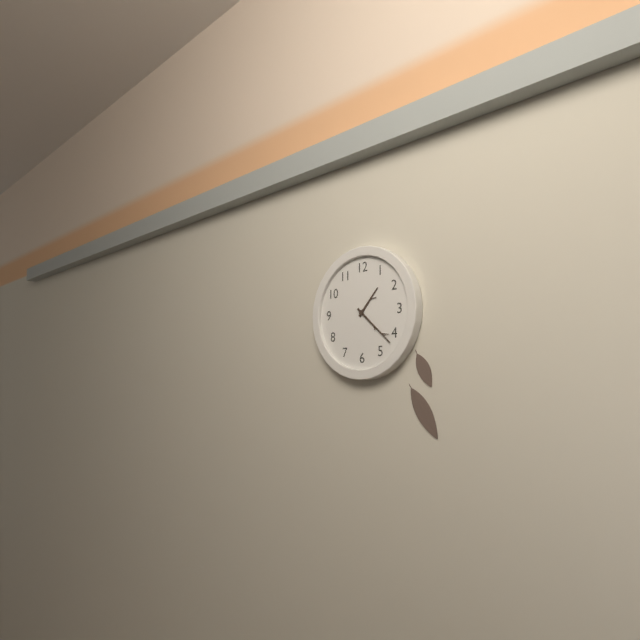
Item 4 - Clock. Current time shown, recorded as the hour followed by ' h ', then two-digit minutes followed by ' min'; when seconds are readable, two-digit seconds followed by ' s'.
1 h 22 min
